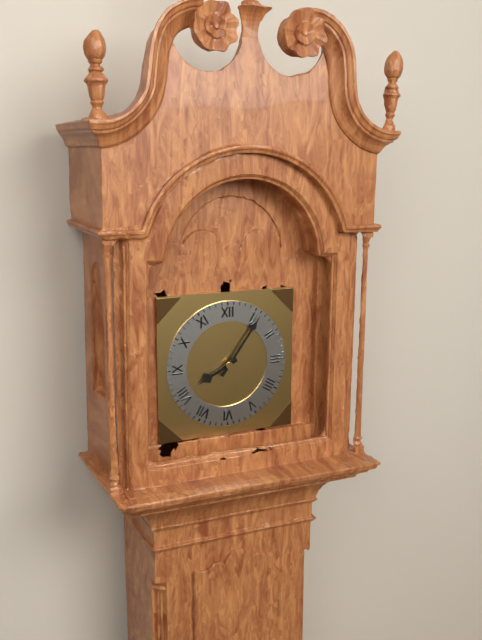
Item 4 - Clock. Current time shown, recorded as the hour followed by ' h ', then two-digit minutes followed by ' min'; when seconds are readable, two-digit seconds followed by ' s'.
8 h 06 min
